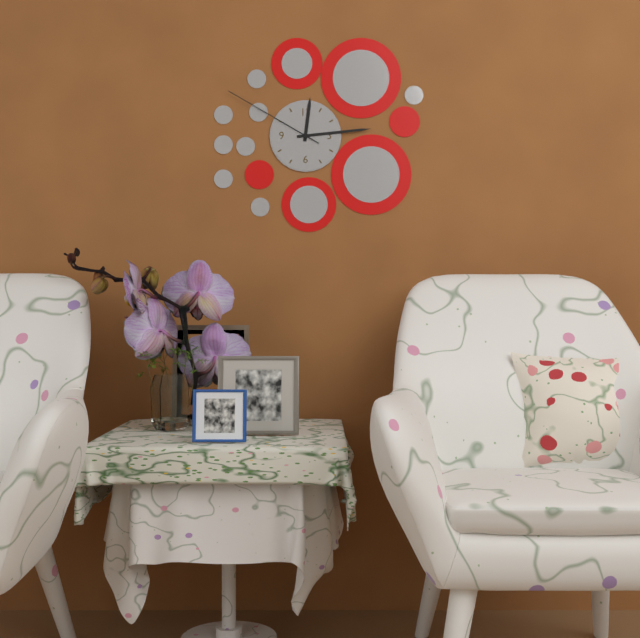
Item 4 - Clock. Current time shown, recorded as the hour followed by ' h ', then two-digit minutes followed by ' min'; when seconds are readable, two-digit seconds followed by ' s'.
12 h 14 min 50 s
